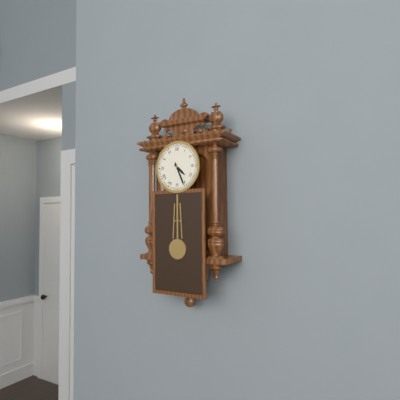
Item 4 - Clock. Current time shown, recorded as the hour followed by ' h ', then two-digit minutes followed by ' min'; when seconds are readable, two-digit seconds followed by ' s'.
4 h 26 min
